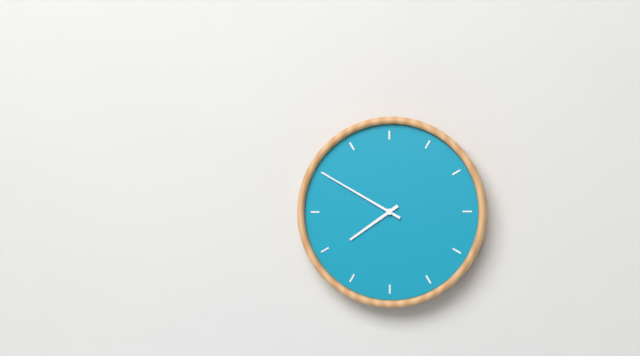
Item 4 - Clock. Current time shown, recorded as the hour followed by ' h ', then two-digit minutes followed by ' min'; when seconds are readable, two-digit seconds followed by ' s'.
7 h 50 min
